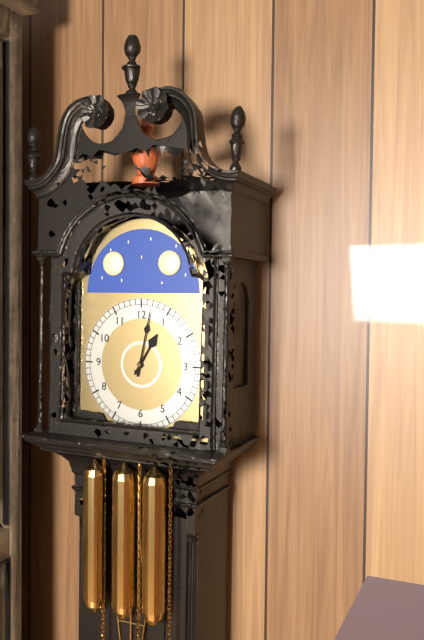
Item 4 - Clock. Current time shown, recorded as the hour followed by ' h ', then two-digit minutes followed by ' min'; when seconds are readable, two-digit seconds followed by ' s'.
1 h 02 min
